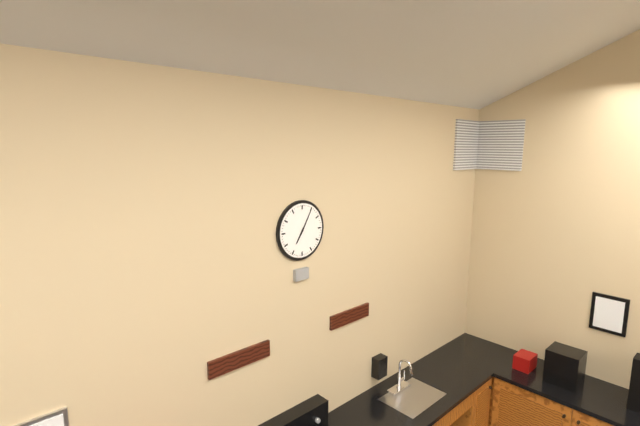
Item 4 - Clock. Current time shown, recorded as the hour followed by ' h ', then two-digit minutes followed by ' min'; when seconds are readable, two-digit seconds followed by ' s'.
7 h 05 min
